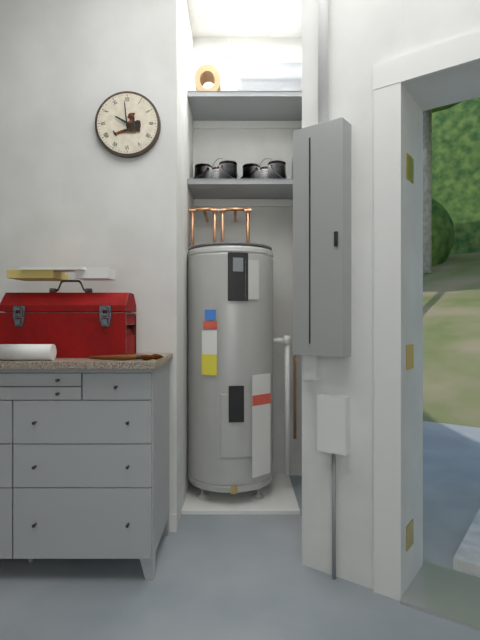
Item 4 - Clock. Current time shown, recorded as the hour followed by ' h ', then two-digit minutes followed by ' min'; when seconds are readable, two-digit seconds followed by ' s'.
9 h 59 min
